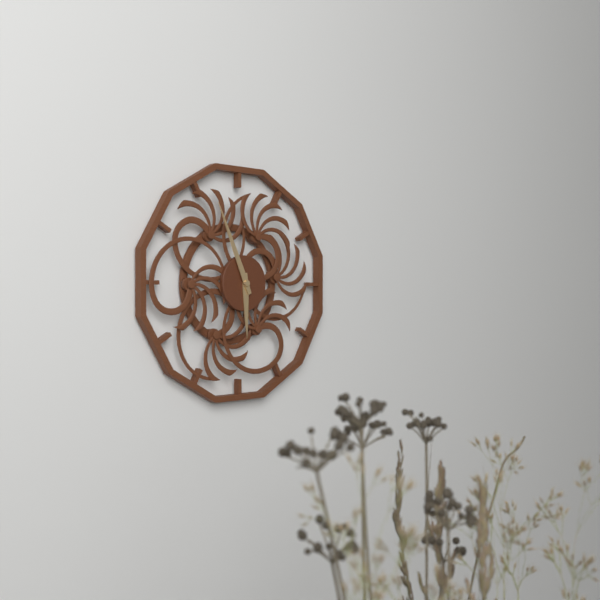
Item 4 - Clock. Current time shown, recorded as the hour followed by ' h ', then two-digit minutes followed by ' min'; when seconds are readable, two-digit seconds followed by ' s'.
5 h 56 min
